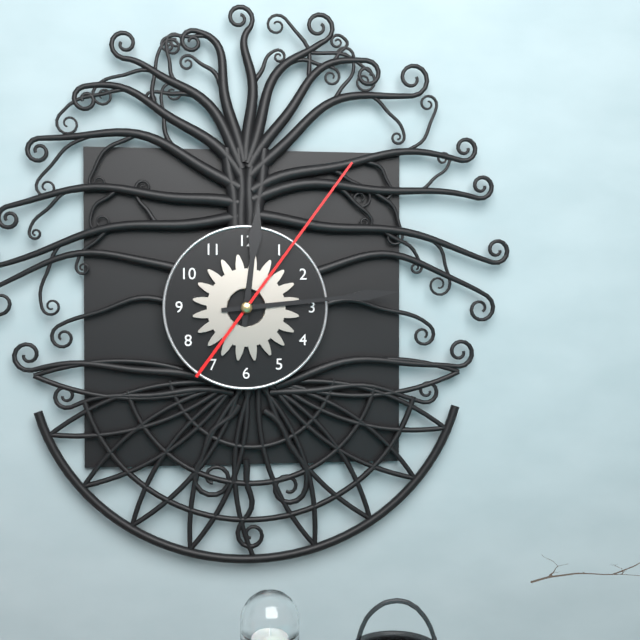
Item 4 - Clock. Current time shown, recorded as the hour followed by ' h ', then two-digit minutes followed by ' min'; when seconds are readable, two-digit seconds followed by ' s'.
12 h 14 min 06 s
